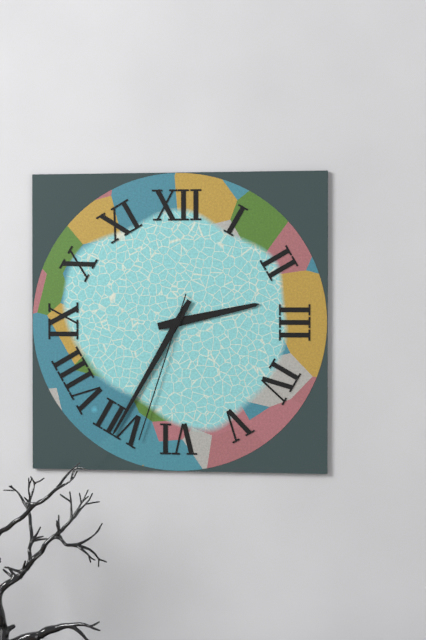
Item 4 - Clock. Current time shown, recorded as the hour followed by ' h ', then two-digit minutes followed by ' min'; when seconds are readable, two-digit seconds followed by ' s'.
2 h 35 min 33 s
